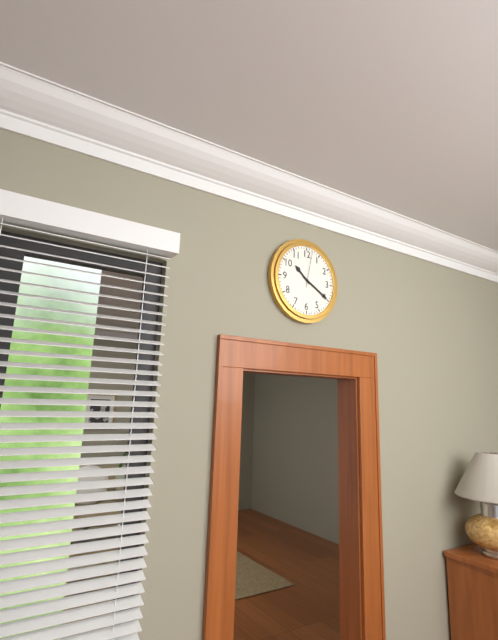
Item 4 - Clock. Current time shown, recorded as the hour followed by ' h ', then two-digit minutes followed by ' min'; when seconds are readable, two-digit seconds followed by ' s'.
10 h 20 min
